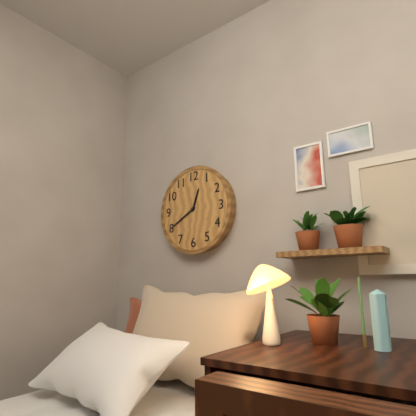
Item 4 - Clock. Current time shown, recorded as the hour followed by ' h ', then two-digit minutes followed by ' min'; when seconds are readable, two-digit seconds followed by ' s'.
12 h 40 min
